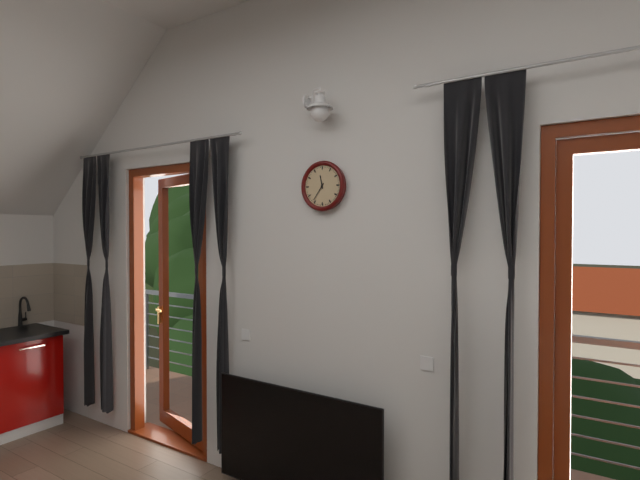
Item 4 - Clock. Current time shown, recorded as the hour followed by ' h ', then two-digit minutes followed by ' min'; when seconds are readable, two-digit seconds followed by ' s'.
11 h 36 min
